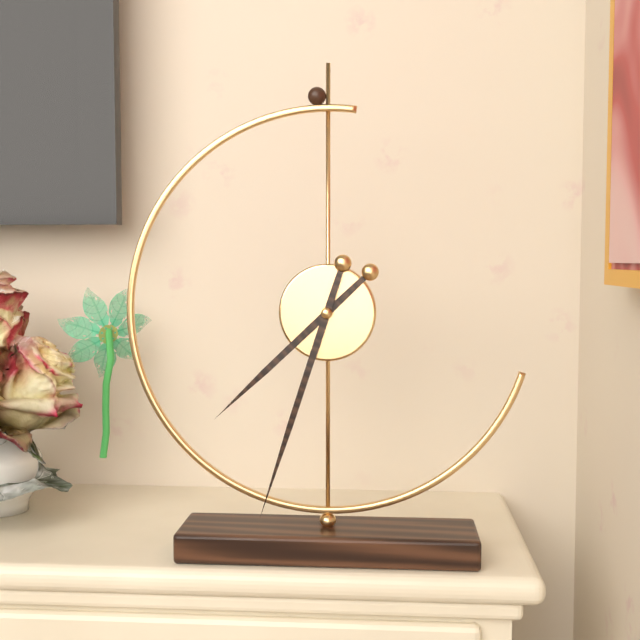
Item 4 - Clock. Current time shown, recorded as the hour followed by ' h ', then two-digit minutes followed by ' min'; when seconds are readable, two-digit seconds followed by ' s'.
7 h 33 min
